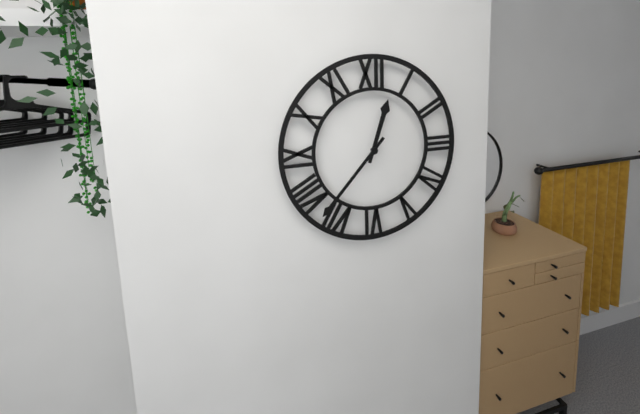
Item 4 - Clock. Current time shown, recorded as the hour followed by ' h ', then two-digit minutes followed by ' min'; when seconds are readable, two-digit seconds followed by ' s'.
12 h 37 min
